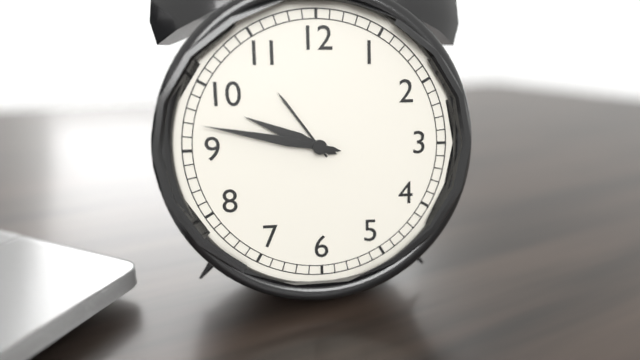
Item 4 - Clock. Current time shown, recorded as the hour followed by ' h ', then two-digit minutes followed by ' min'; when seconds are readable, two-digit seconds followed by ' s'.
9 h 47 min
